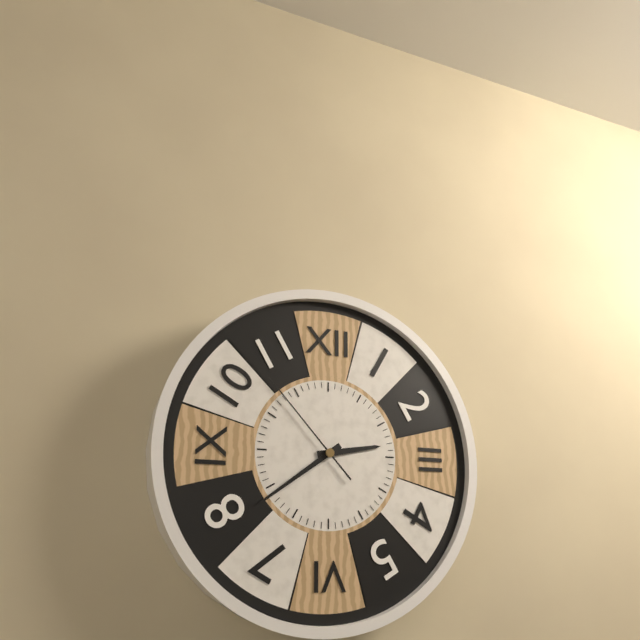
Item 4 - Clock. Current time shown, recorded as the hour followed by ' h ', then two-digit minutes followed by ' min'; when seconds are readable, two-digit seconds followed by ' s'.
2 h 39 min 53 s
